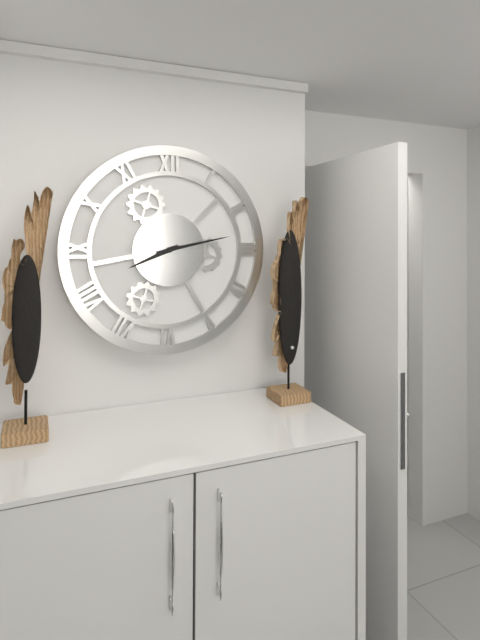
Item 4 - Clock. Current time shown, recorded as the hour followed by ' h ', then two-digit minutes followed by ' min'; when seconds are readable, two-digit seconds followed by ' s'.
8 h 13 min
